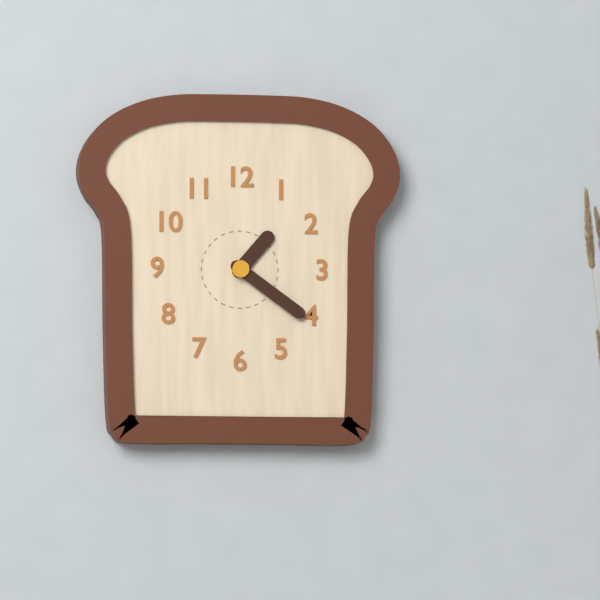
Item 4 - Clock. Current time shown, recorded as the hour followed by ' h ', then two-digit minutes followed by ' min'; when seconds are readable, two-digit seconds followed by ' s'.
1 h 21 min
